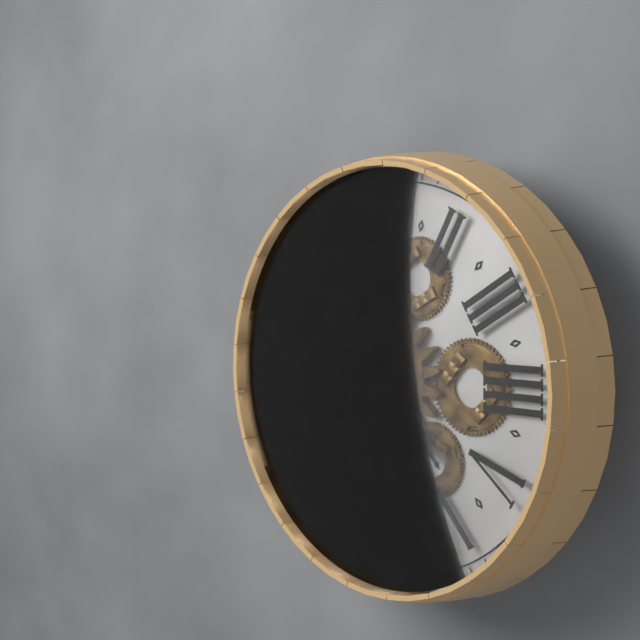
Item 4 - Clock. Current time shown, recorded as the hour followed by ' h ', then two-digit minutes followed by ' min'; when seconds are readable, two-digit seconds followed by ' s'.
5 h 35 min
